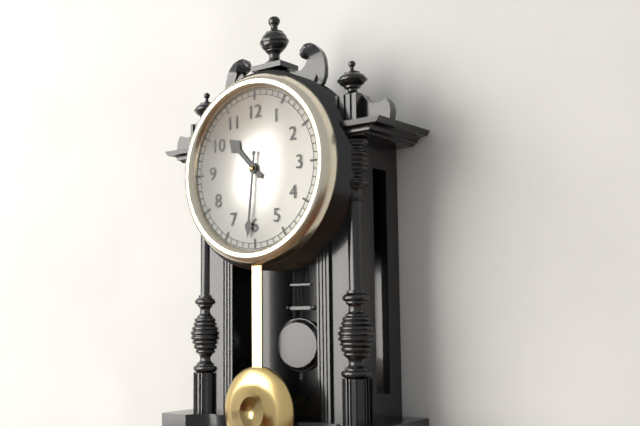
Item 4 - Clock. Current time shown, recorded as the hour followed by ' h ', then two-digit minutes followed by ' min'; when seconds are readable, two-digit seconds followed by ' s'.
10 h 31 min
